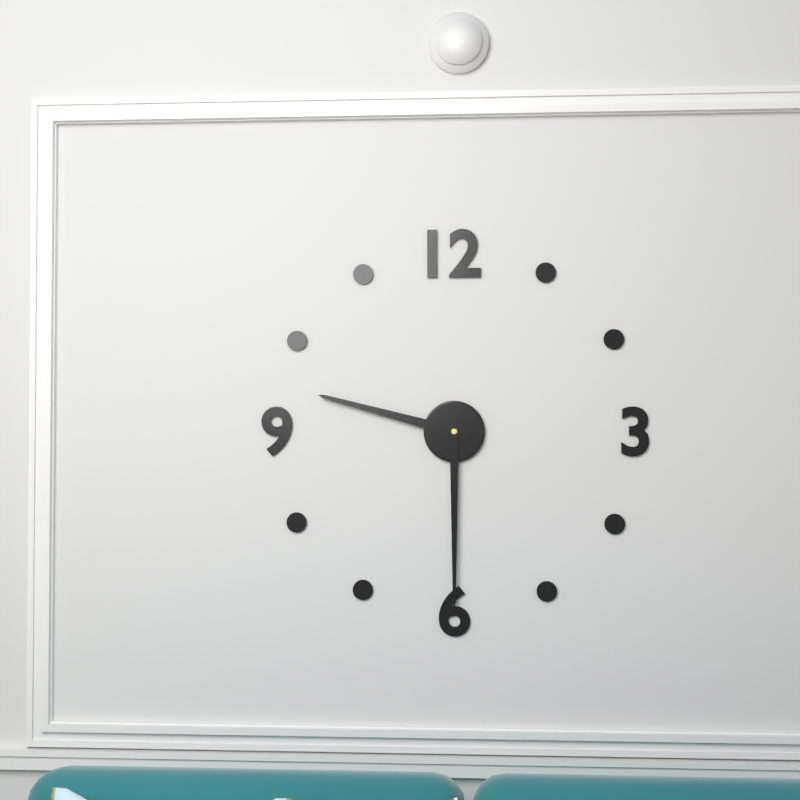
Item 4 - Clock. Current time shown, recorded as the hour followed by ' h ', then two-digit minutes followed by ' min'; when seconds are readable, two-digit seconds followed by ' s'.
9 h 30 min
